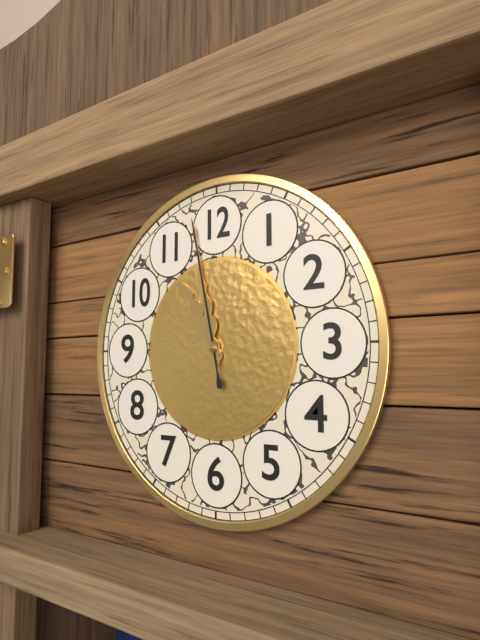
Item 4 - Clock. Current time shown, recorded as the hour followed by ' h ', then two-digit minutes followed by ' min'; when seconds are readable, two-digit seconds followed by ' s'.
10 h 58 min 58 s
